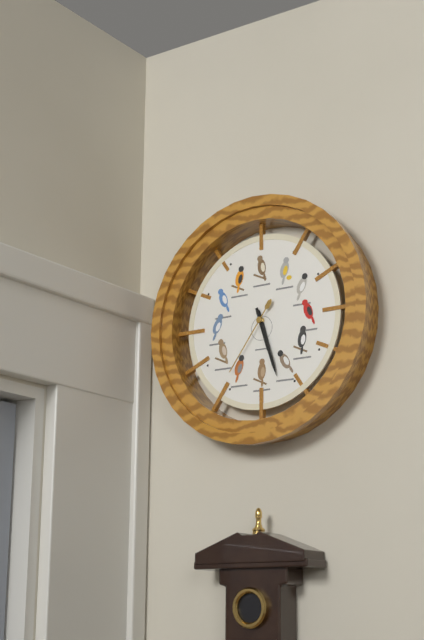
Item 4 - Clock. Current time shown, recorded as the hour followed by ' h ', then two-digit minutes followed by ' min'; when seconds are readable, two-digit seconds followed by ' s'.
5 h 27 min 36 s
